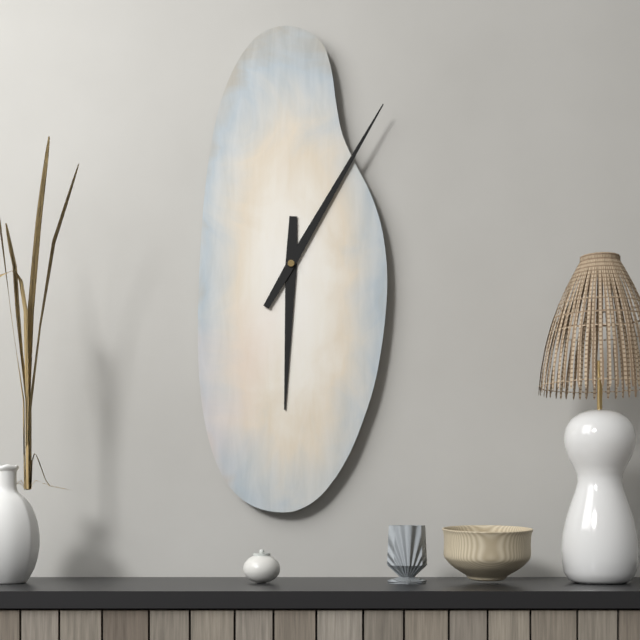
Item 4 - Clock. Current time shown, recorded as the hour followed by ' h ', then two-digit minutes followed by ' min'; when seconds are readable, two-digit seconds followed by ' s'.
6 h 05 min
